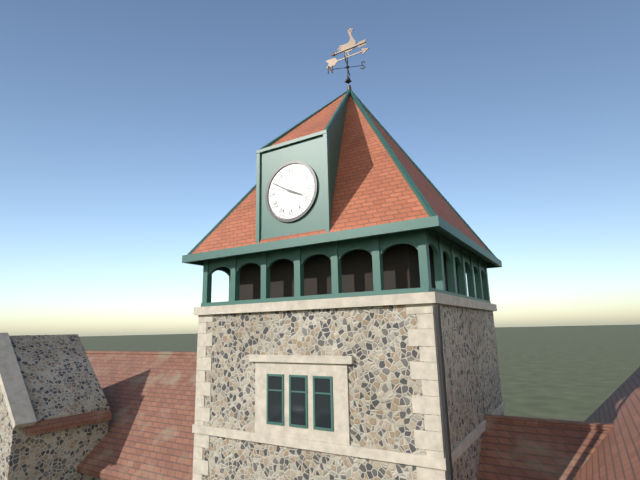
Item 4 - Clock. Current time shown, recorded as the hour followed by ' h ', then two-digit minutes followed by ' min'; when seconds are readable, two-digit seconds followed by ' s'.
3 h 50 min
